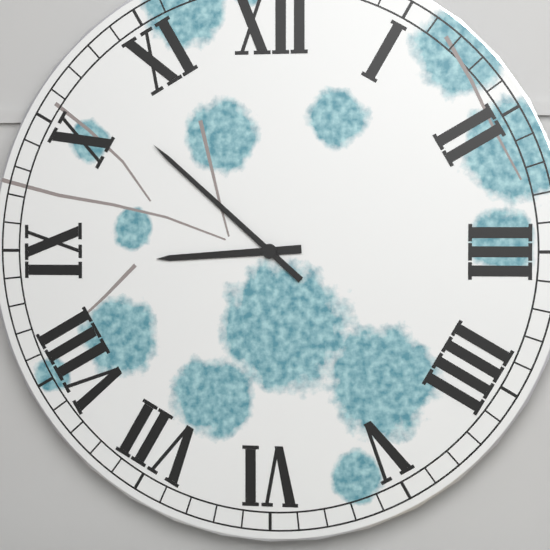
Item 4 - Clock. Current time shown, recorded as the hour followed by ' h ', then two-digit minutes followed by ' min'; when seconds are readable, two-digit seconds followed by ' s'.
8 h 52 min
